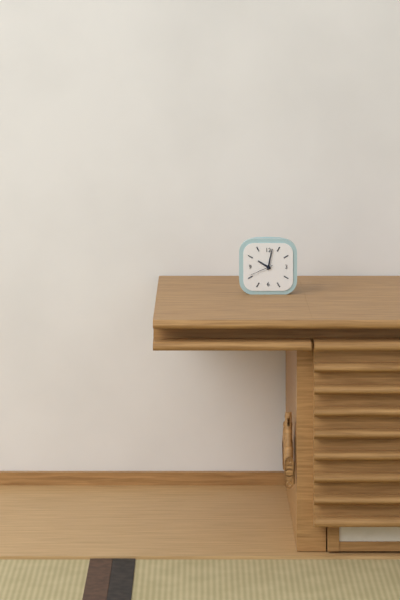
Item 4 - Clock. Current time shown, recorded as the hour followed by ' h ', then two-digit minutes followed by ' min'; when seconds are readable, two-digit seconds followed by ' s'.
10 h 02 min
